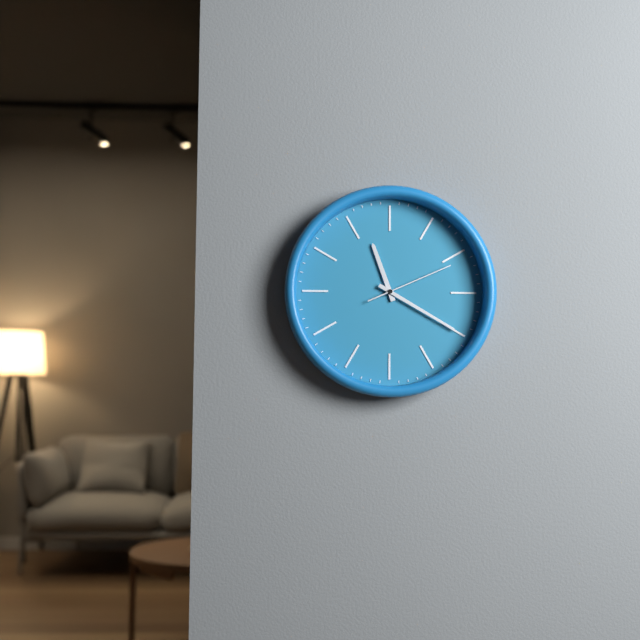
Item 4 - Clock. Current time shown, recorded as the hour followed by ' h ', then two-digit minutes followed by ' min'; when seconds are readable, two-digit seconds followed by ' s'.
11 h 20 min 11 s
